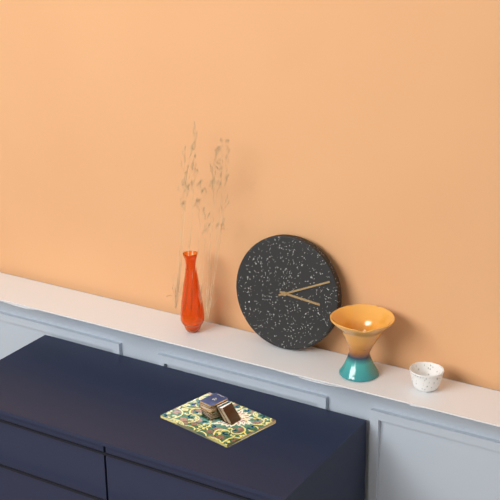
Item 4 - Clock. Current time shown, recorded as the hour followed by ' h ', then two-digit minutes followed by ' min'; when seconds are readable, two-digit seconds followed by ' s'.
3 h 11 min
